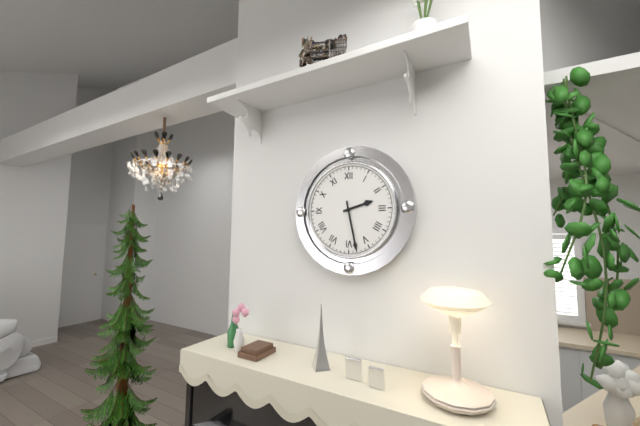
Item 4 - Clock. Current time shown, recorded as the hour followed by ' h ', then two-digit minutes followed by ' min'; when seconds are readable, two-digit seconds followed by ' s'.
2 h 28 min
